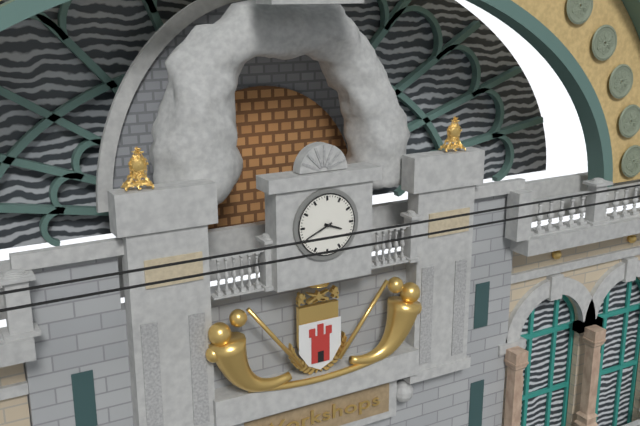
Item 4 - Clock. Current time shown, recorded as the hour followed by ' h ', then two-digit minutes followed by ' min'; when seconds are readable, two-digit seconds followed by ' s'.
3 h 41 min
